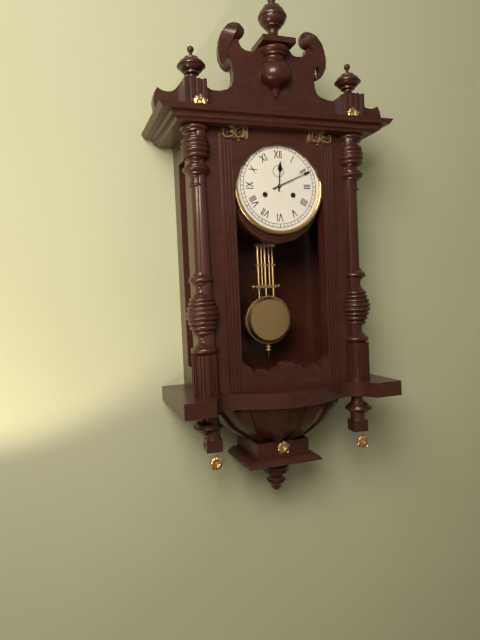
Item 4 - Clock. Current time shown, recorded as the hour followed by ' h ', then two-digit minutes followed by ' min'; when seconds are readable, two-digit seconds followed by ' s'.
12 h 11 min
